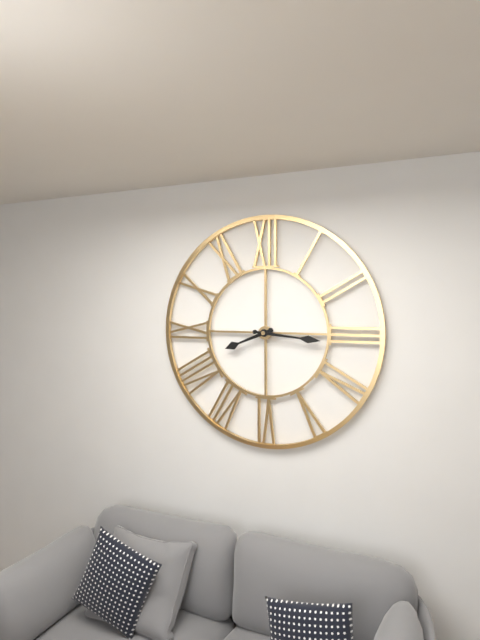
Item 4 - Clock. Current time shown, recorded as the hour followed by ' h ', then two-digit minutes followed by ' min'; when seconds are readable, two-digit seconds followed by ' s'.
8 h 16 min
